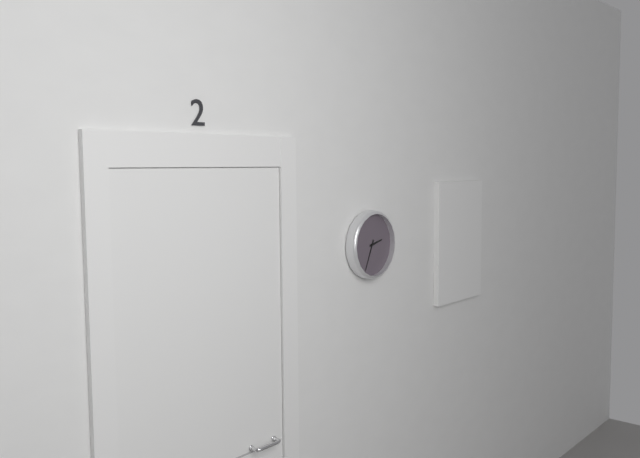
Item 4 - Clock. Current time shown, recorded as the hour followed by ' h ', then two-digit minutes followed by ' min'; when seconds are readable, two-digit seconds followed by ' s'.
2 h 34 min
